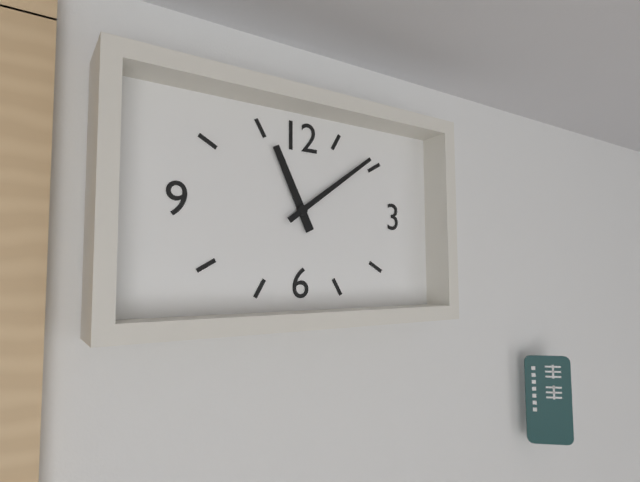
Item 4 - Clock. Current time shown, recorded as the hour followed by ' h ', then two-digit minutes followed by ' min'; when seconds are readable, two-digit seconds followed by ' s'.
11 h 09 min
